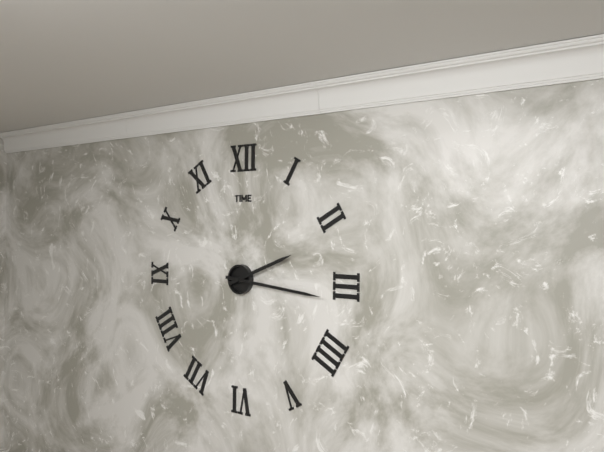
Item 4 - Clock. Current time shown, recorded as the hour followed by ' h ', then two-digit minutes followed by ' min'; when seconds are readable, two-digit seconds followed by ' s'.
2 h 16 min
